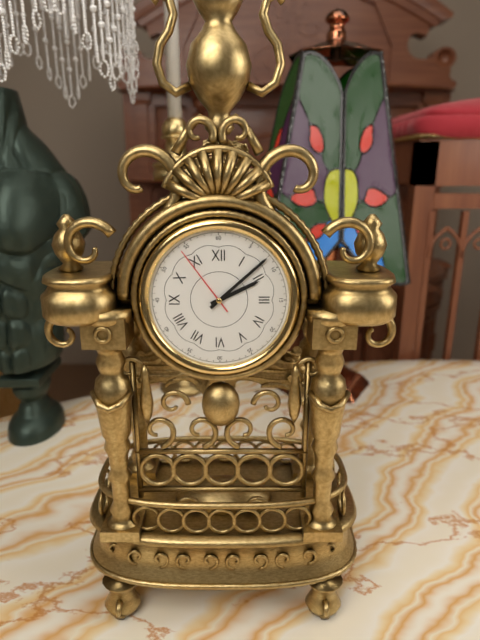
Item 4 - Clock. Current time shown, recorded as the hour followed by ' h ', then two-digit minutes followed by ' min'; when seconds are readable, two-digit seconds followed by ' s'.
2 h 08 min 54 s
